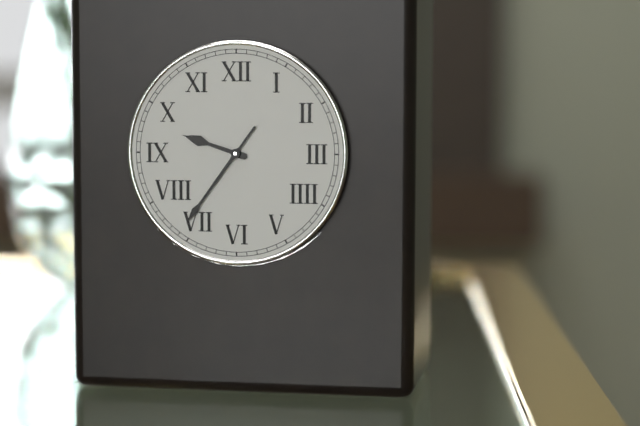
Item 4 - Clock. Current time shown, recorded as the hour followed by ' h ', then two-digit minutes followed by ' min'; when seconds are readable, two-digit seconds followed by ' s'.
9 h 36 min
